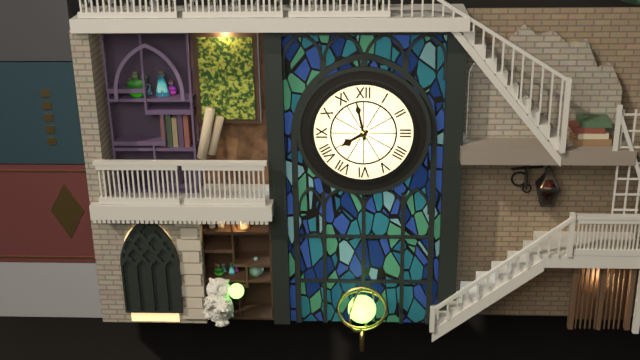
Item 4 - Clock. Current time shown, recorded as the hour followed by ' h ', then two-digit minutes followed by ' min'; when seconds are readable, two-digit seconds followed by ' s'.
7 h 58 min
